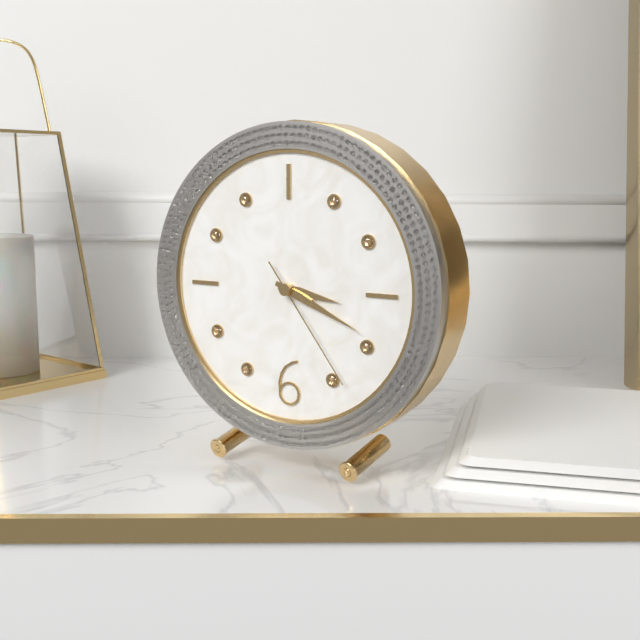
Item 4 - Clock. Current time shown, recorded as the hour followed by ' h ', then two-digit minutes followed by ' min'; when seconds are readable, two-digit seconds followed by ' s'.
3 h 19 min 24 s
